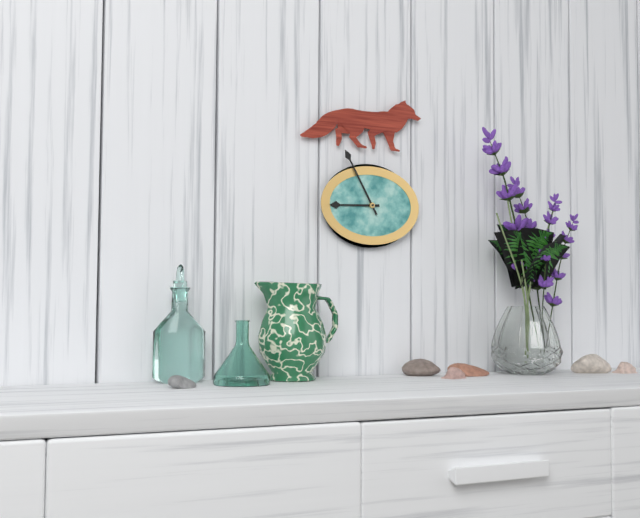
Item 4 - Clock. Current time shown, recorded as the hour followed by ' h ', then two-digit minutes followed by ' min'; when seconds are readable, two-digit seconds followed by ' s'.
8 h 55 min
